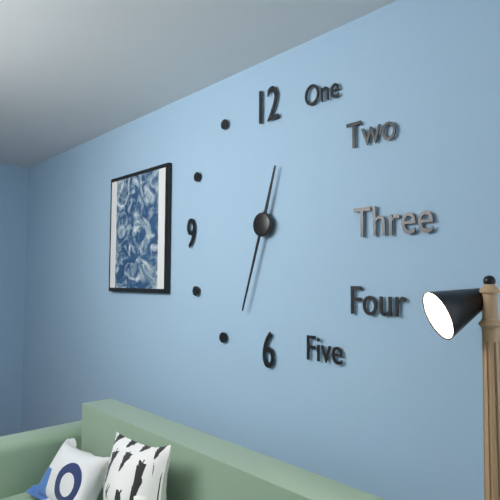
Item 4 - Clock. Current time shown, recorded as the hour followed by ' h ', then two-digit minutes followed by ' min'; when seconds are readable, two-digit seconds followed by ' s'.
12 h 33 min
